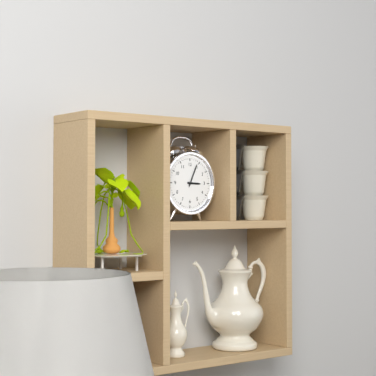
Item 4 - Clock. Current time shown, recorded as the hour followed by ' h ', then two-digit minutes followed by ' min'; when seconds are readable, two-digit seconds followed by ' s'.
3 h 04 min
